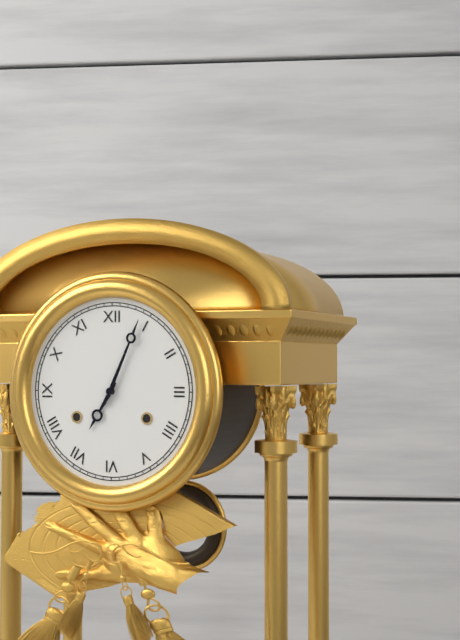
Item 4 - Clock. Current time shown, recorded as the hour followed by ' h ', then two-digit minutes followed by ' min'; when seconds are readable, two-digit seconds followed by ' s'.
7 h 04 min
